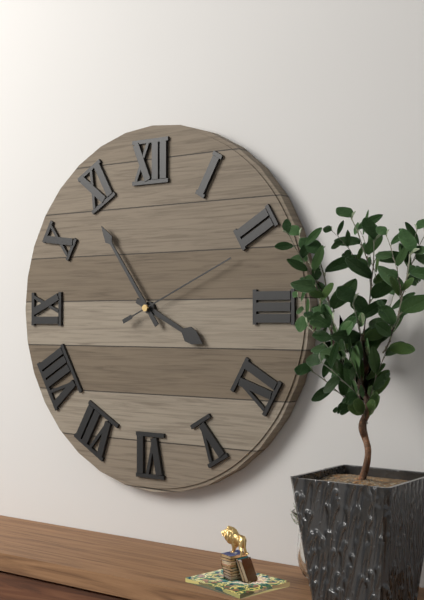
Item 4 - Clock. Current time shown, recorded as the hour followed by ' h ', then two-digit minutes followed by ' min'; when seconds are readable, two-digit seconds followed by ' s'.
3 h 54 min 11 s
